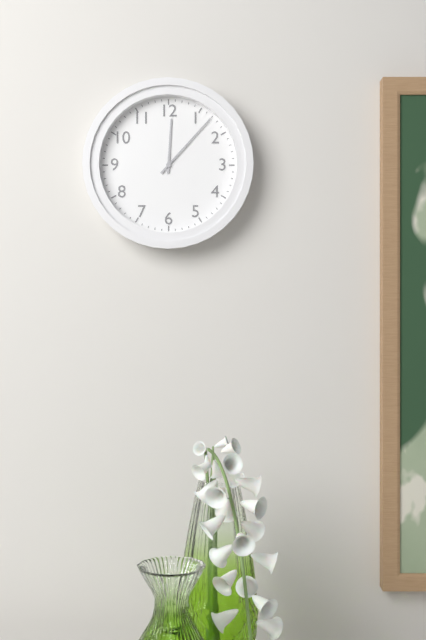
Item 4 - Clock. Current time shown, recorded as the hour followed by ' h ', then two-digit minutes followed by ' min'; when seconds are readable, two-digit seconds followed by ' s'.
12 h 07 min
